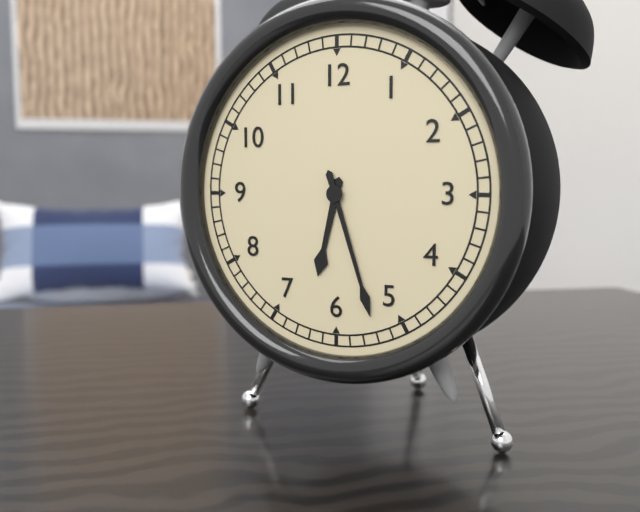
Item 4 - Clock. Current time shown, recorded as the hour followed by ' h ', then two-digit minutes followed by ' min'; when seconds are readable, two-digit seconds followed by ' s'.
6 h 27 min
